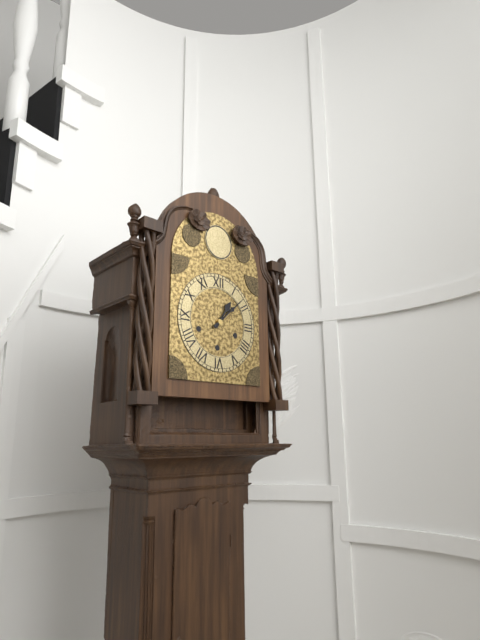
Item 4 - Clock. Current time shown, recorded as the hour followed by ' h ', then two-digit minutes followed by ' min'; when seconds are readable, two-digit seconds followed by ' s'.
1 h 08 min
